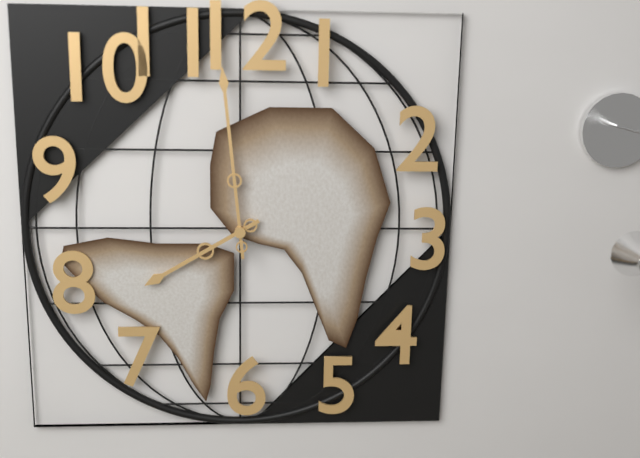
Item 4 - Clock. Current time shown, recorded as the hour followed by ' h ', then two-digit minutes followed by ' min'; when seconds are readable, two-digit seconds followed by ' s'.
7 h 59 min
